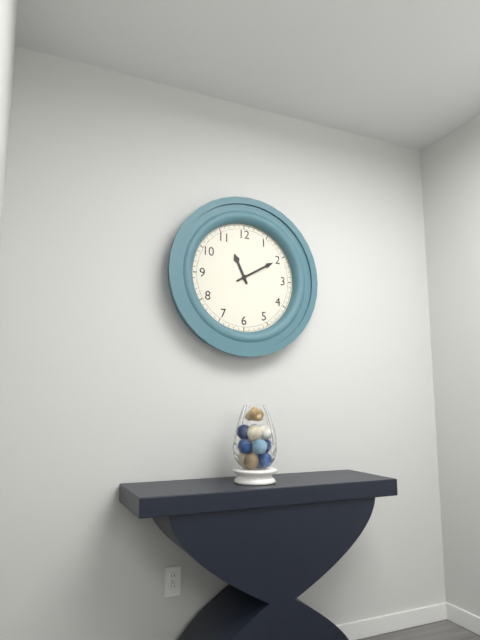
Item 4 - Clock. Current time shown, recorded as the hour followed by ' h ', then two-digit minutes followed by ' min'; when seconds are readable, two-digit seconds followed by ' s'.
11 h 10 min
